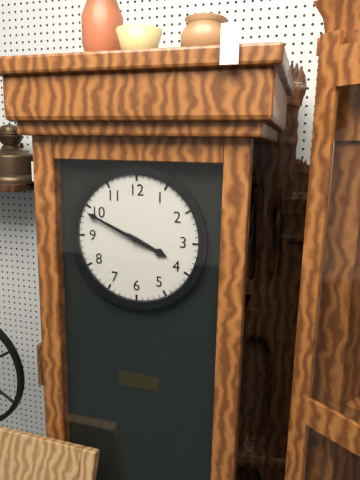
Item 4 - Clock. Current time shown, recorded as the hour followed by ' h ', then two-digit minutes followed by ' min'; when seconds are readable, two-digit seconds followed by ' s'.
3 h 49 min
